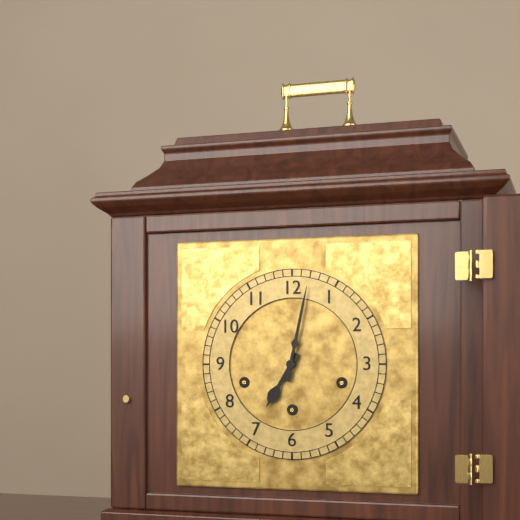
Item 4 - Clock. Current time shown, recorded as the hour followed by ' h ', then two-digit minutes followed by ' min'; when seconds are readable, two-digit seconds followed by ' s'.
7 h 02 min
